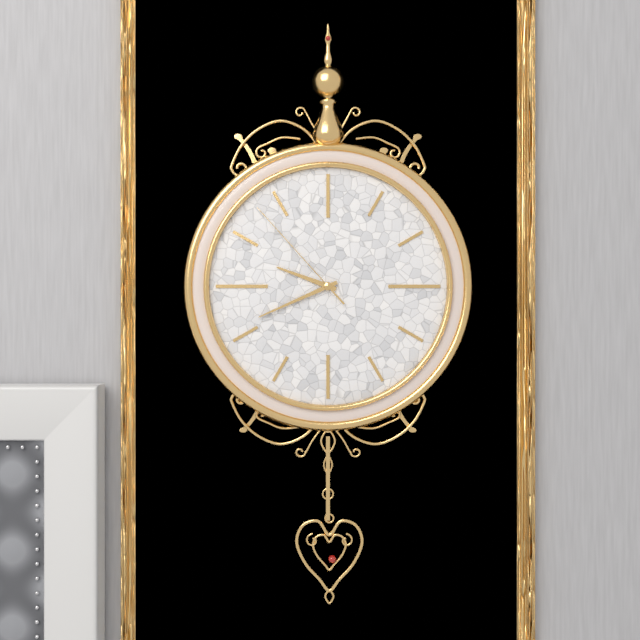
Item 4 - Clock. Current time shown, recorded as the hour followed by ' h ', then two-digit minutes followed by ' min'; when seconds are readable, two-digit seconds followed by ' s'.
9 h 41 min 53 s
